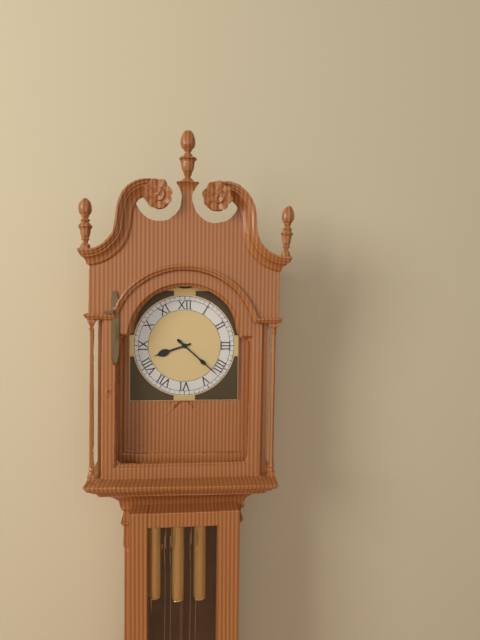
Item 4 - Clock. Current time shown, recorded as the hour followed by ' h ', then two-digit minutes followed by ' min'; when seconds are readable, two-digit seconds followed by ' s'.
8 h 22 min
